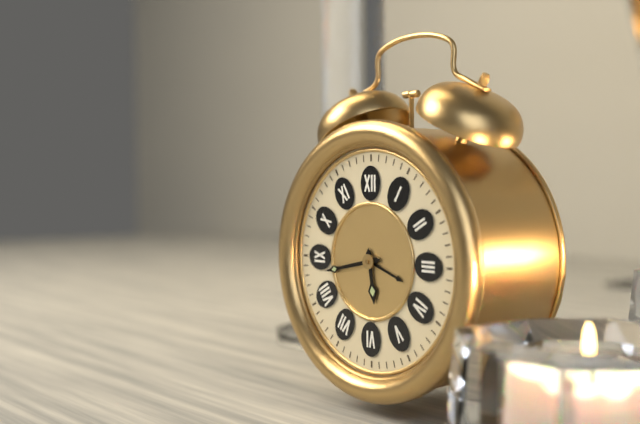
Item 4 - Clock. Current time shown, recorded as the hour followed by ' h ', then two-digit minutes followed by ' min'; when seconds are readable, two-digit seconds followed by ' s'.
5 h 43 min
